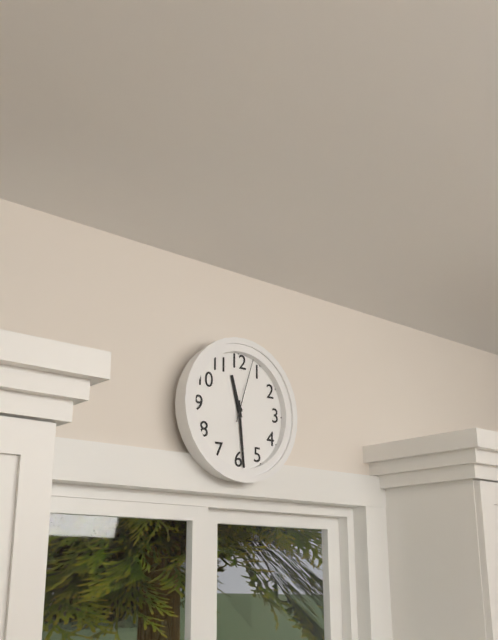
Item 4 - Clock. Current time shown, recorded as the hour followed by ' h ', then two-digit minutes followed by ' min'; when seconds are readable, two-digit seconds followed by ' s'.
11 h 29 min 03 s
